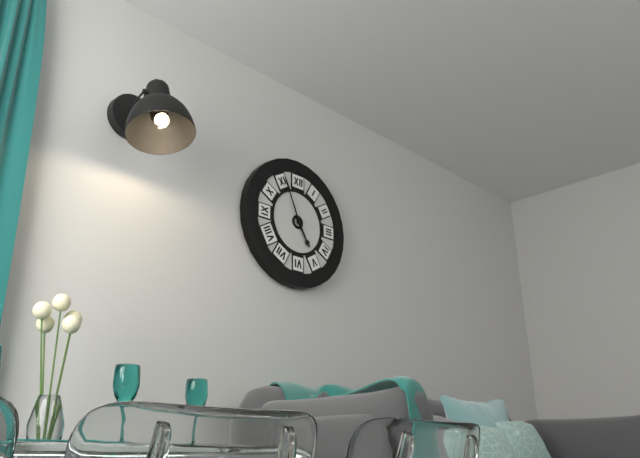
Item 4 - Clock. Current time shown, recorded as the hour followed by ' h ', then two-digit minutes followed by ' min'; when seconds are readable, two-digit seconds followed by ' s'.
4 h 56 min
